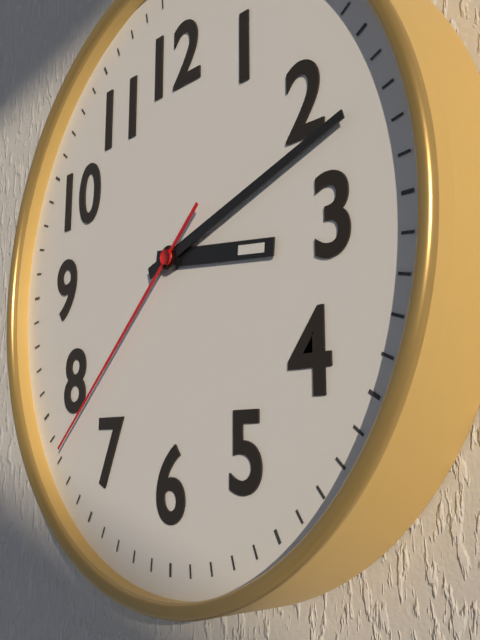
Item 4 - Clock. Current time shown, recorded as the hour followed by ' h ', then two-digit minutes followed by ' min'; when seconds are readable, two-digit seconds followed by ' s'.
3 h 12 min 38 s
